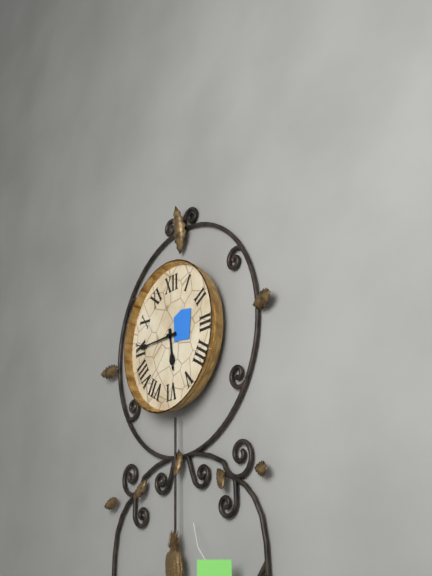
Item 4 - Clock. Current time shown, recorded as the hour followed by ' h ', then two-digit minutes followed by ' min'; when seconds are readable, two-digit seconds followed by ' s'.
5 h 45 min
